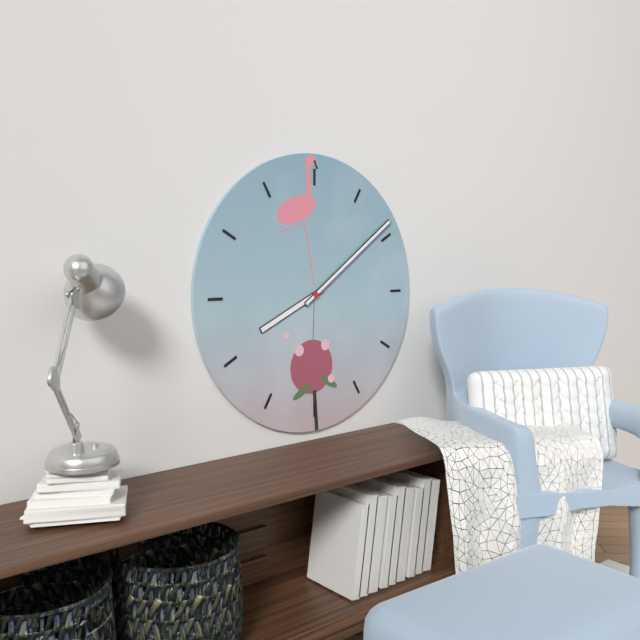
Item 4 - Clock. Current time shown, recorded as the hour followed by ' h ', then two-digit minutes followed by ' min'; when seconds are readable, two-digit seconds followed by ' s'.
8 h 09 min
